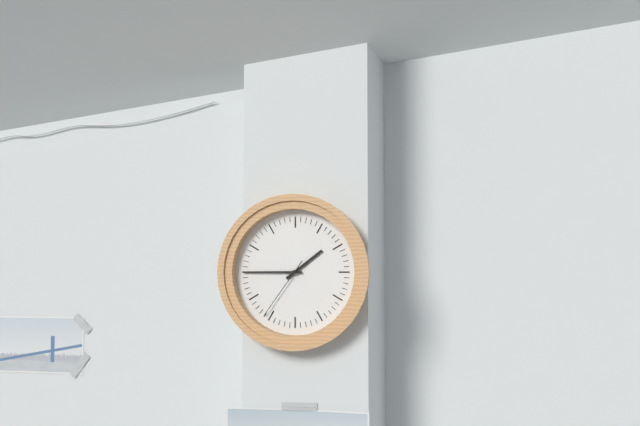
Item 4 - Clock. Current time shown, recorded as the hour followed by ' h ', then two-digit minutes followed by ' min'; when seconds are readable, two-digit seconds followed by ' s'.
1 h 45 min 36 s
